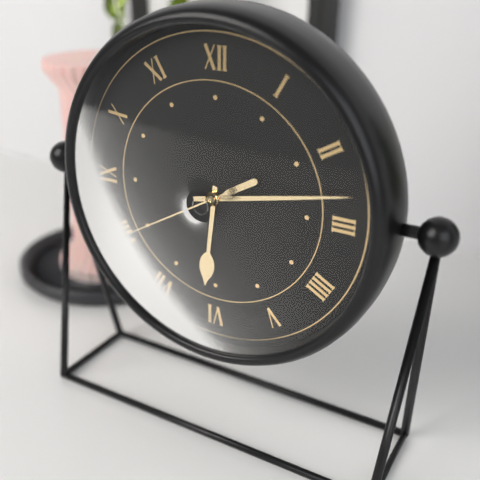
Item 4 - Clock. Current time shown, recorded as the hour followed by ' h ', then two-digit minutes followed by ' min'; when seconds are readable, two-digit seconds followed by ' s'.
6 h 13 min 40 s
